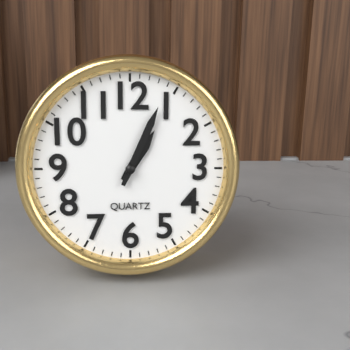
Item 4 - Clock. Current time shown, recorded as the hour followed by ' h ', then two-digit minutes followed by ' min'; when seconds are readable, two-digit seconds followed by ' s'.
1 h 04 min
